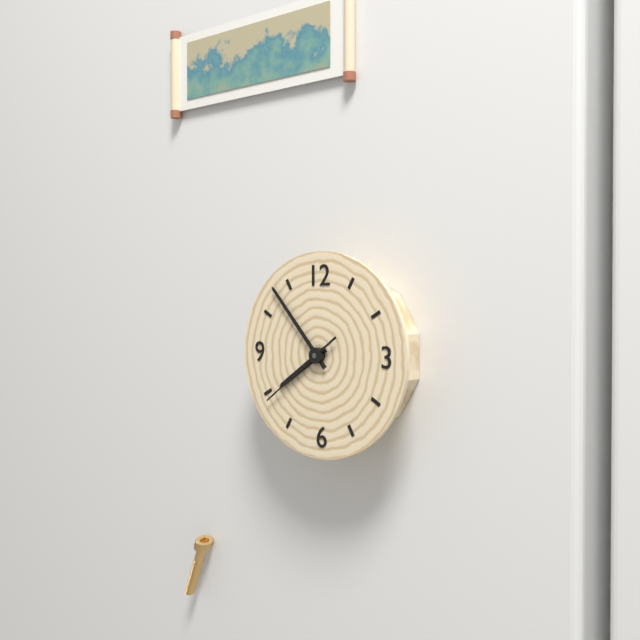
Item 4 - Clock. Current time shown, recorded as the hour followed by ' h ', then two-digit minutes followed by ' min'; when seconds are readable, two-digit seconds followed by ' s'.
7 h 53 min 39 s
